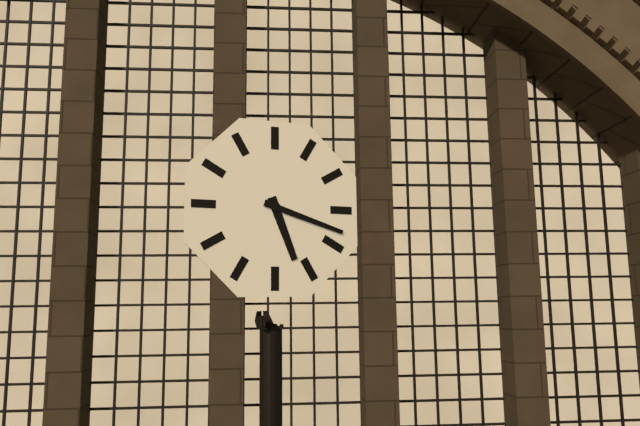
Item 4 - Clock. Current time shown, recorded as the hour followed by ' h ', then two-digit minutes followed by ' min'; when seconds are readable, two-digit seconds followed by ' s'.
5 h 18 min
